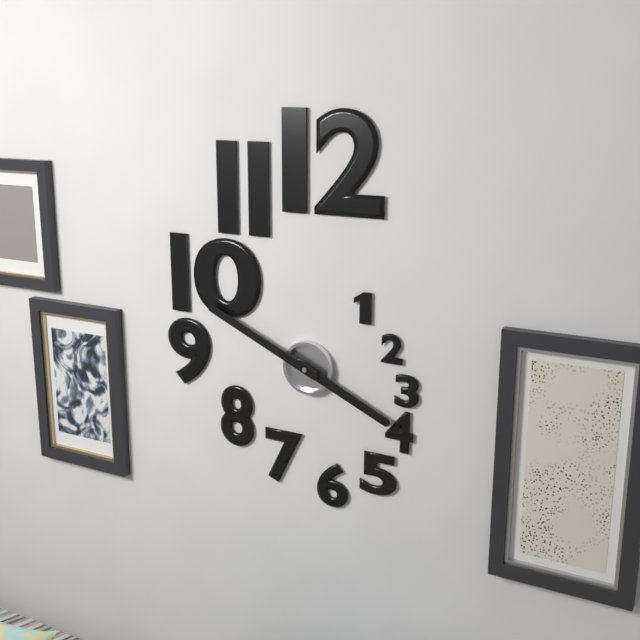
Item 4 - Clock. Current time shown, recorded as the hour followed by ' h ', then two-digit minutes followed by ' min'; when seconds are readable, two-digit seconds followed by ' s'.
3 h 49 min
